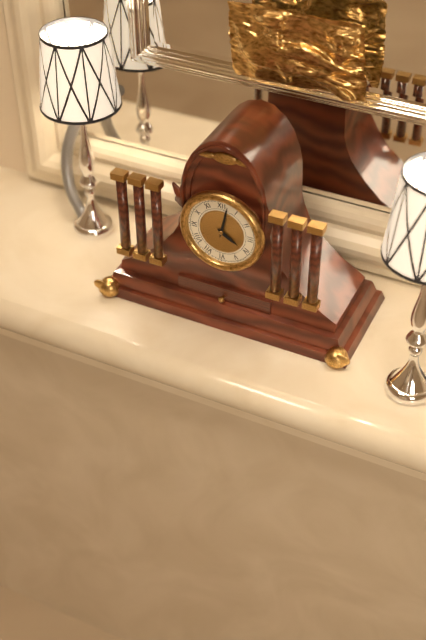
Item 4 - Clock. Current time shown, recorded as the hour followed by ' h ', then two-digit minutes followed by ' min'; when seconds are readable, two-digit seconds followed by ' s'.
4 h 02 min
